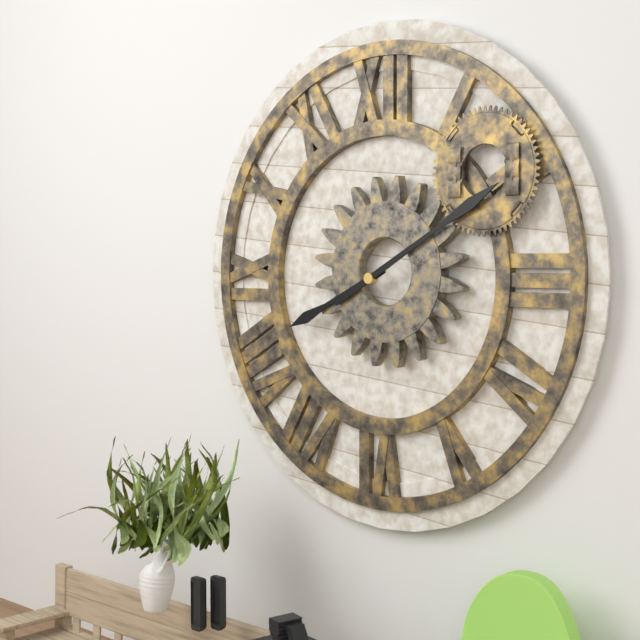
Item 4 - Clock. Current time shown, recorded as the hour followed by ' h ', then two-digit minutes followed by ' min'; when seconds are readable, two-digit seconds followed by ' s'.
8 h 10 min
